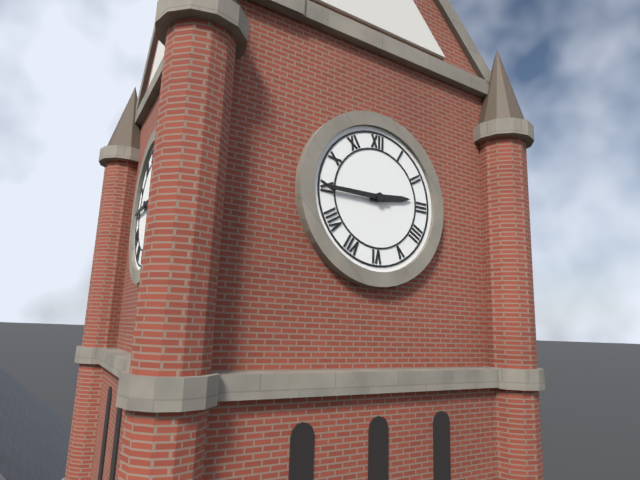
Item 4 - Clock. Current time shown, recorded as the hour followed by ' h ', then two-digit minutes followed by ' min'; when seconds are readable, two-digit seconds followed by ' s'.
2 h 45 min
